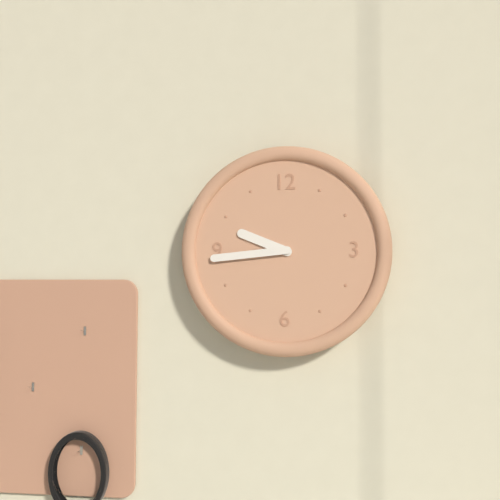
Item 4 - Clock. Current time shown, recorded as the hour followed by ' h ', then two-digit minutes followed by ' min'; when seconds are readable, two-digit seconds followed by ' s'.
9 h 44 min
